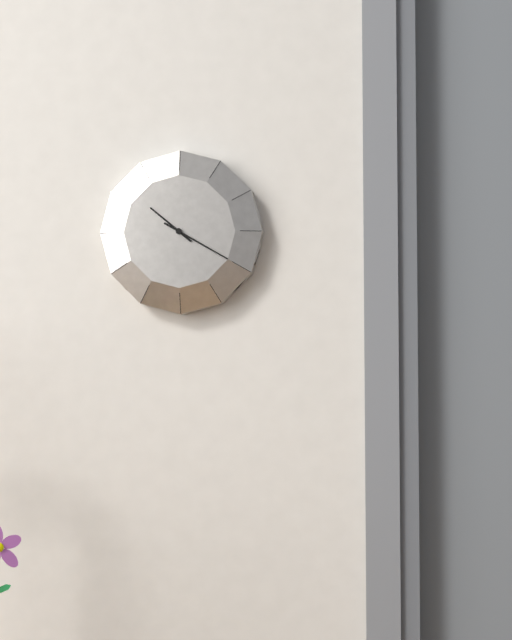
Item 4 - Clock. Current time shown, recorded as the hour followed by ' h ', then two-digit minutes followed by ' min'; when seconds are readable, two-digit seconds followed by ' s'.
10 h 20 min
